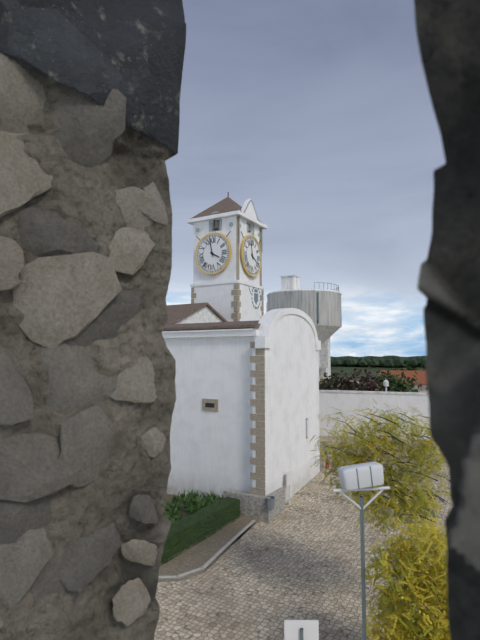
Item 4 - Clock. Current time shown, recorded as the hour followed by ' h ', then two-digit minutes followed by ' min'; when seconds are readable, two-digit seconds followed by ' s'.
3 h 58 min
